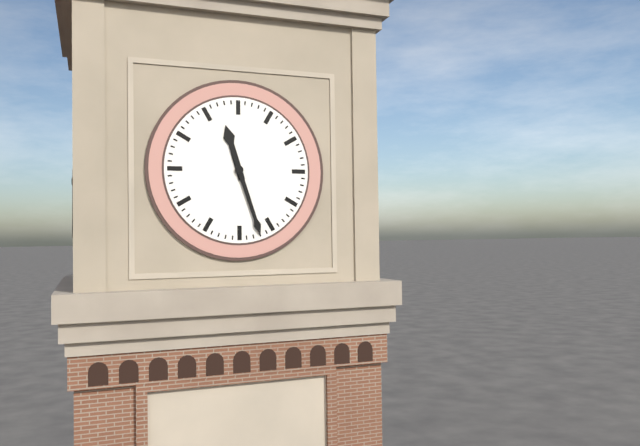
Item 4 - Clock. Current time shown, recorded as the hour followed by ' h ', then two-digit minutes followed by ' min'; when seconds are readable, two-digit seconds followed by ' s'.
11 h 27 min
